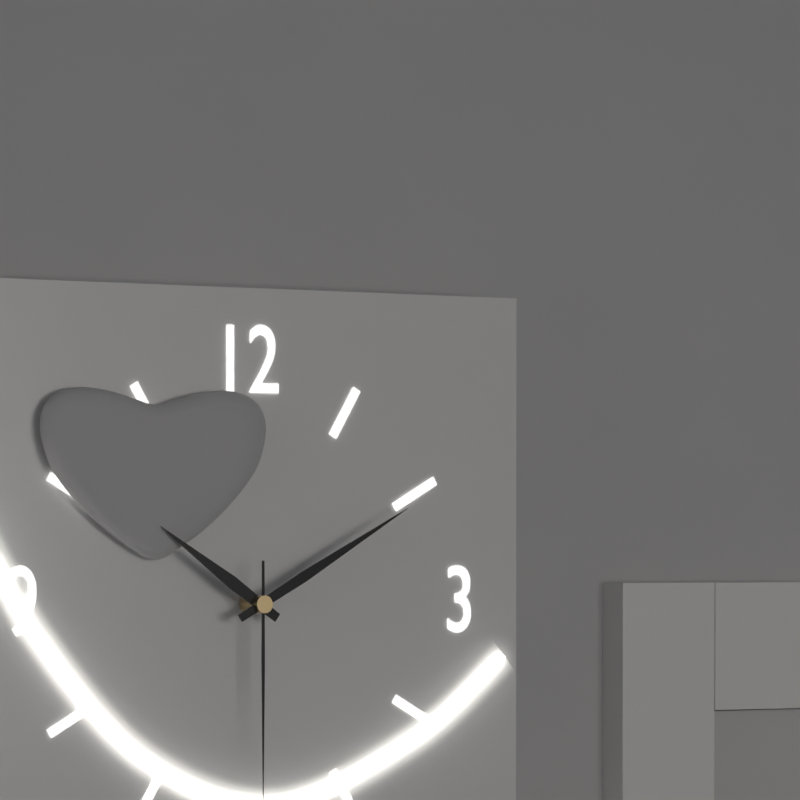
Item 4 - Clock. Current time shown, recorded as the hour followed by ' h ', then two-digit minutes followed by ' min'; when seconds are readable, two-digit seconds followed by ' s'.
10 h 10 min
